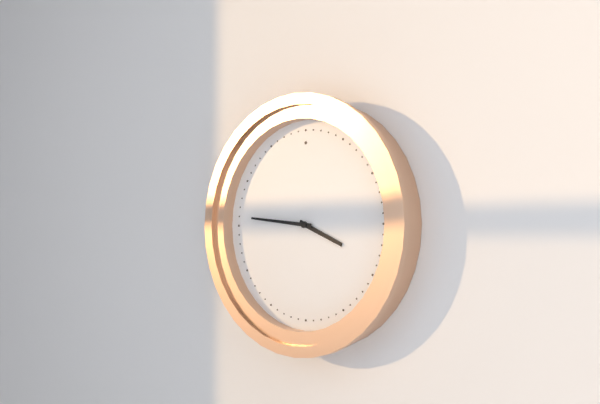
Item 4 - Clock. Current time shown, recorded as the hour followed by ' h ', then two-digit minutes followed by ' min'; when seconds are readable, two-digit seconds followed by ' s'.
3 h 46 min
